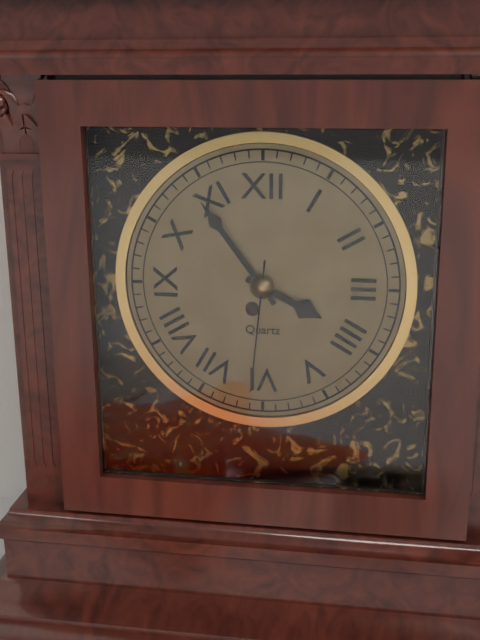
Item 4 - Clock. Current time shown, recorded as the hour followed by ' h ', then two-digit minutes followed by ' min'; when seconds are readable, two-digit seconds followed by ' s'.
3 h 54 min 31 s
